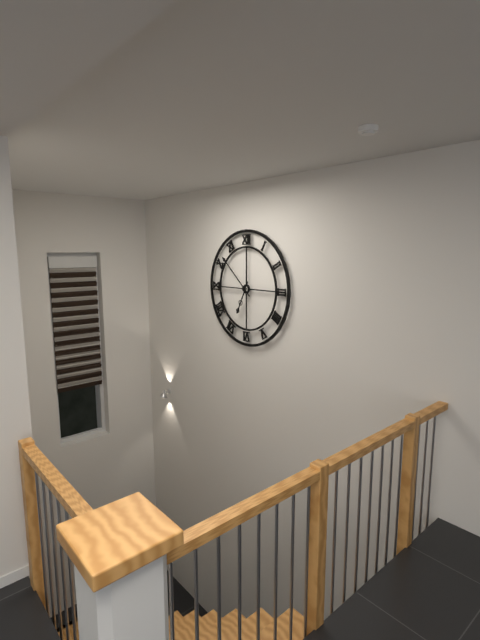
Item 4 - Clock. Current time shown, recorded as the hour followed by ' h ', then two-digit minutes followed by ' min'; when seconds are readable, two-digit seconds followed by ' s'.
6 h 52 min
